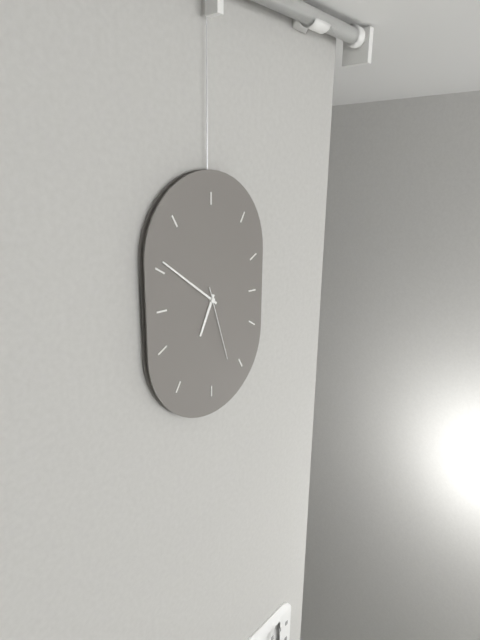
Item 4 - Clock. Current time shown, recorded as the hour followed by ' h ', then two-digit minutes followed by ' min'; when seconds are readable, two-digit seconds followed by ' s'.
6 h 51 min 27 s
